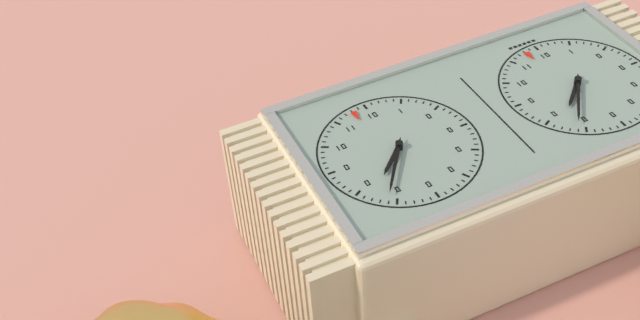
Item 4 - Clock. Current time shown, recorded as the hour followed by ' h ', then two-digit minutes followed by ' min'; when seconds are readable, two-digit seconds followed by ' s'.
7 h 36 min
